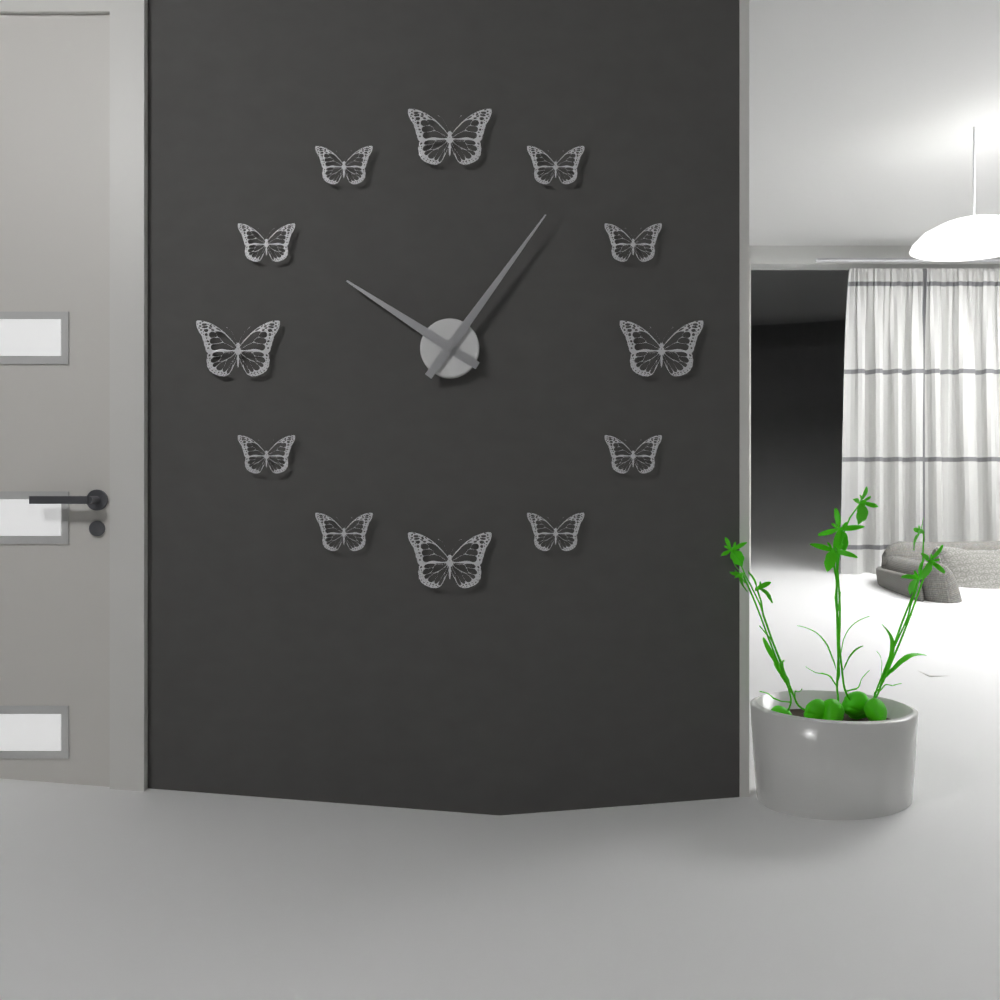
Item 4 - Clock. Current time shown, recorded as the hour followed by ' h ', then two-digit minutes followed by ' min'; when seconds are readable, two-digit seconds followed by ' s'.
10 h 06 min
